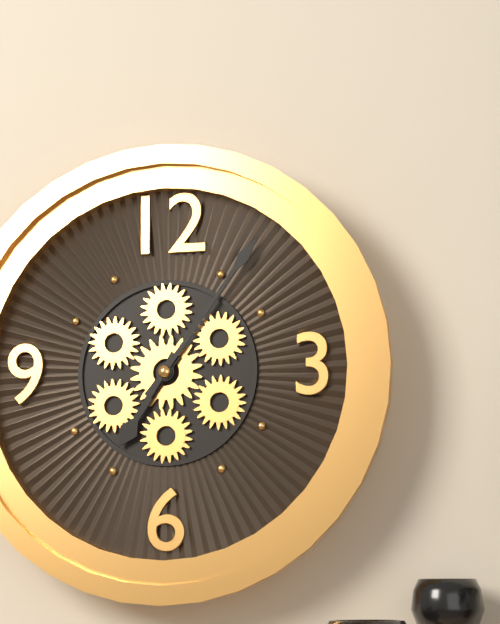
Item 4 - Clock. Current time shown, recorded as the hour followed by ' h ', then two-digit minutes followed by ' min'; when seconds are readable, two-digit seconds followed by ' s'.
7 h 06 min
